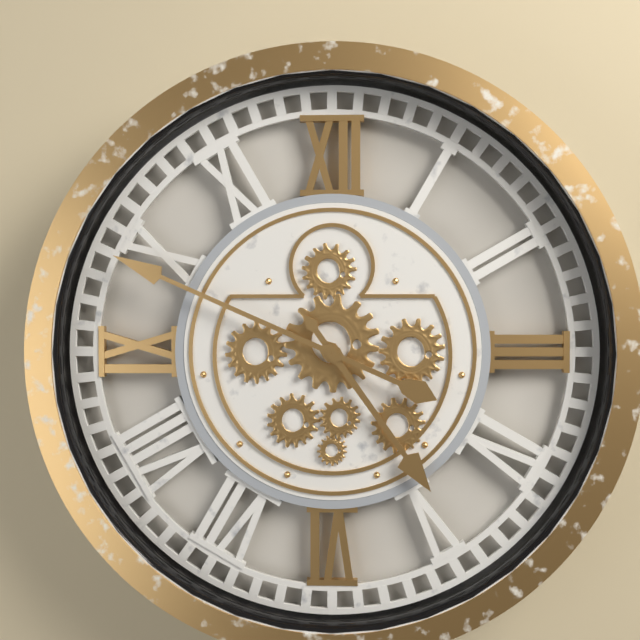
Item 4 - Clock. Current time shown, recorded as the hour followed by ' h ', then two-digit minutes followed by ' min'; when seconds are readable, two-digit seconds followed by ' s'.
4 h 49 min
